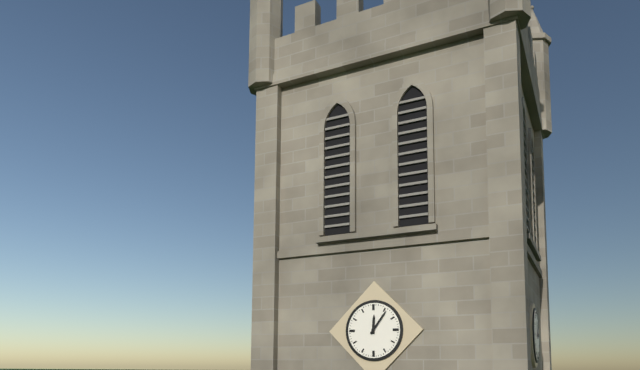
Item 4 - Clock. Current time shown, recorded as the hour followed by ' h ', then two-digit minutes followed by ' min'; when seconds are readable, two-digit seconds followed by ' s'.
12 h 06 min
